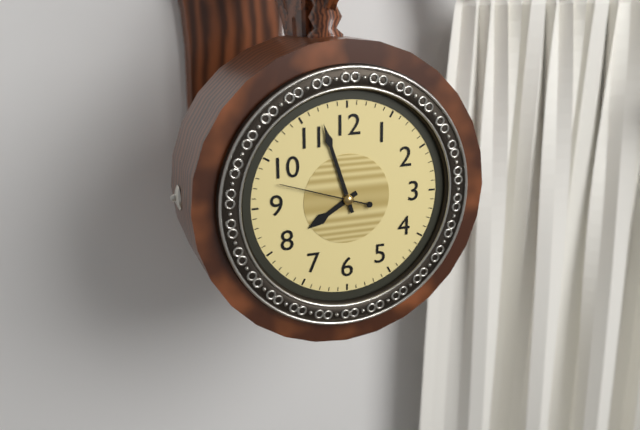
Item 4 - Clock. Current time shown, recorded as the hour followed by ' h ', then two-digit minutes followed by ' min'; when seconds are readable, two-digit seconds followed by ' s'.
7 h 57 min 48 s
